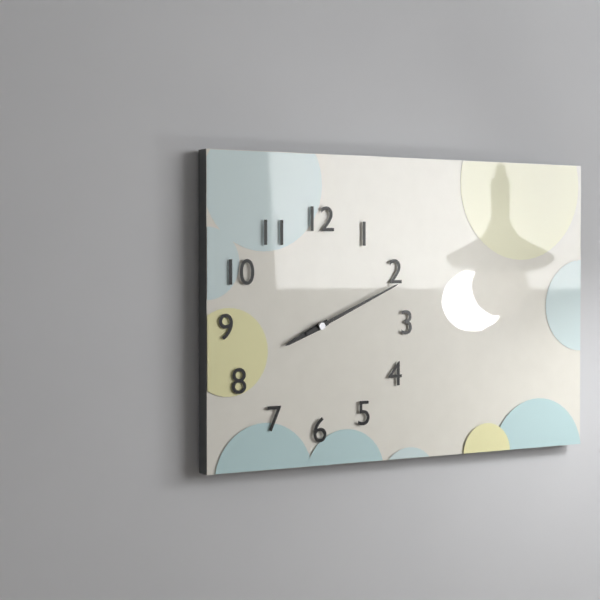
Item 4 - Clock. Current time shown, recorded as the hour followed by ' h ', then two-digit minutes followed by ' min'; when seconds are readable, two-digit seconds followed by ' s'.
8 h 11 min
